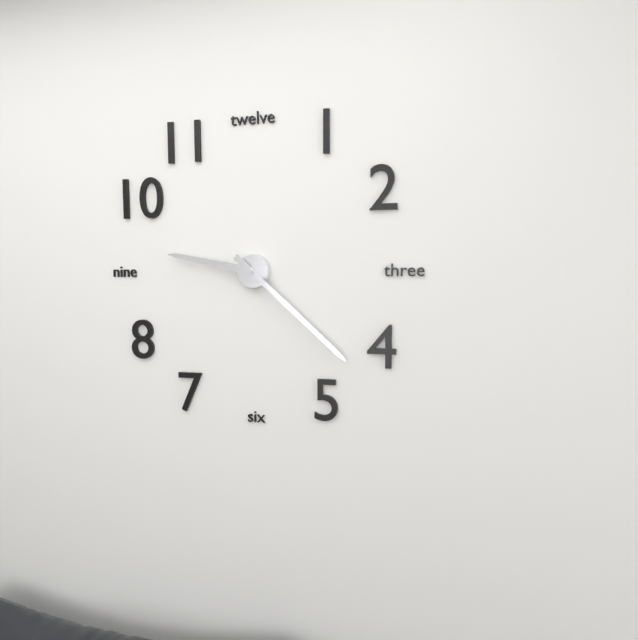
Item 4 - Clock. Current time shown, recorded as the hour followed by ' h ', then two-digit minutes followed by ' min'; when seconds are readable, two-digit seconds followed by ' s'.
9 h 22 min
